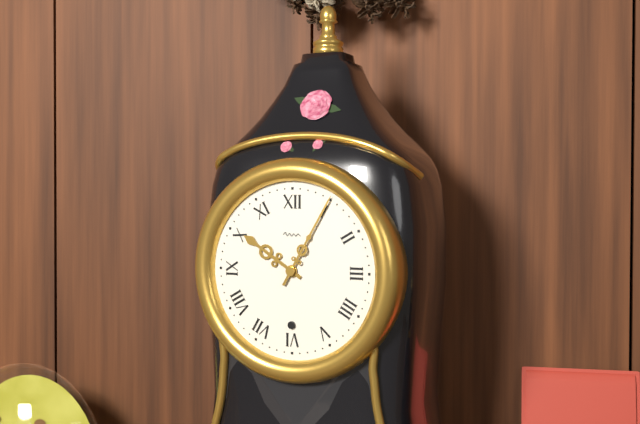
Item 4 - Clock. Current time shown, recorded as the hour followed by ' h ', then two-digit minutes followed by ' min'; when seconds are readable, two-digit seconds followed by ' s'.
10 h 05 min
